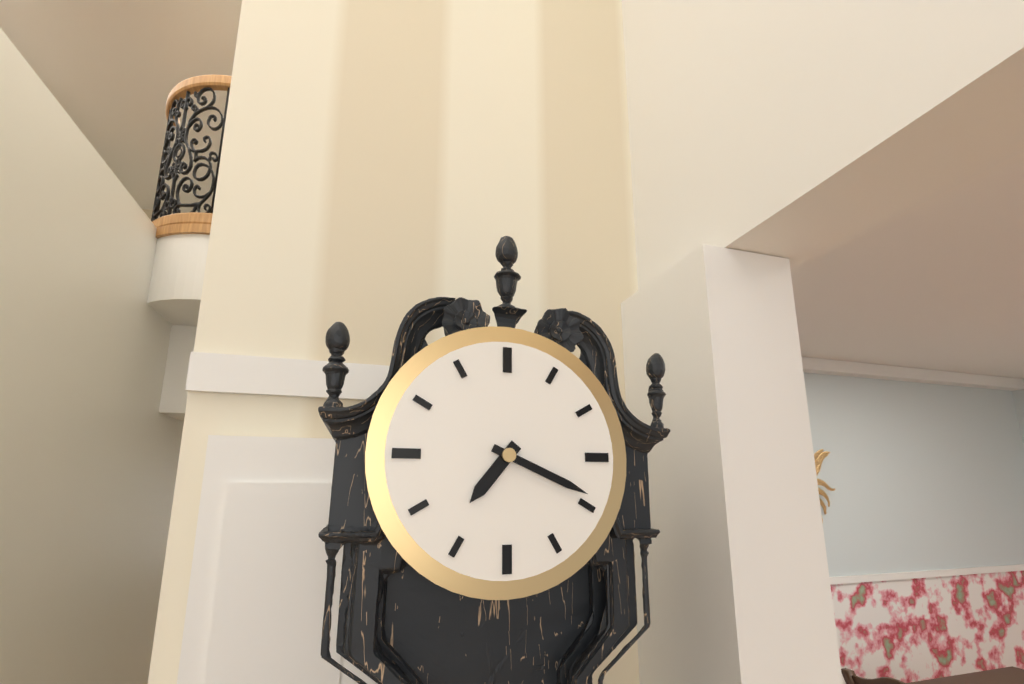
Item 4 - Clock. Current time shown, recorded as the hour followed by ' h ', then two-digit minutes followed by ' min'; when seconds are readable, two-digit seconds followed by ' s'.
7 h 19 min
